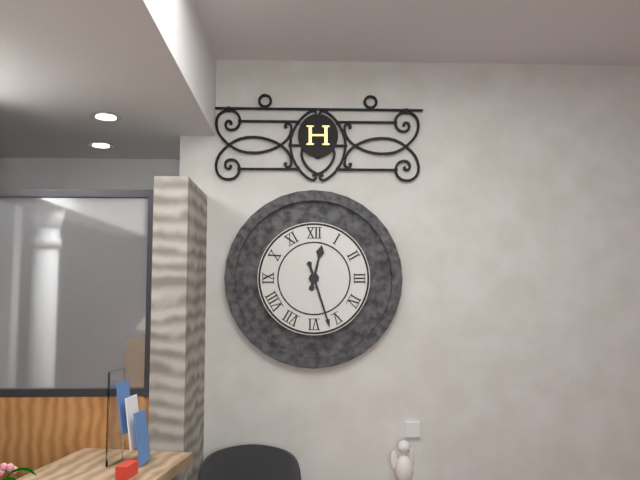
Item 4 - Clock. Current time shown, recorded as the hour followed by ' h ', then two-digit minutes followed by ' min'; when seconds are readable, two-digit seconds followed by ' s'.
12 h 27 min
